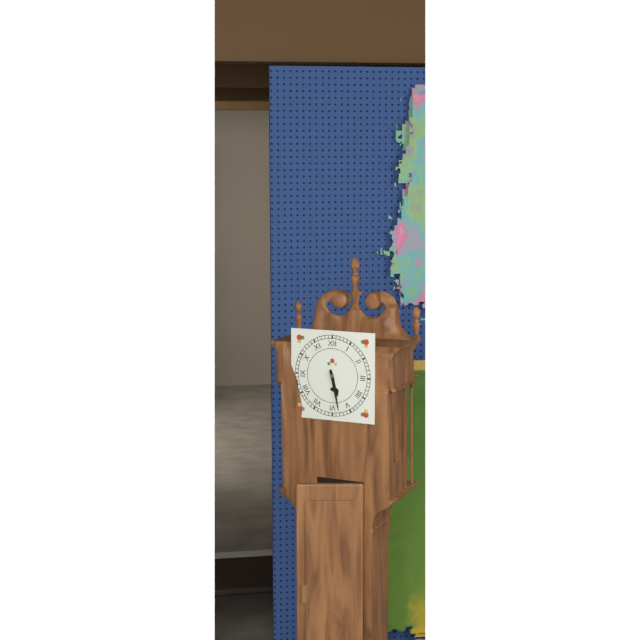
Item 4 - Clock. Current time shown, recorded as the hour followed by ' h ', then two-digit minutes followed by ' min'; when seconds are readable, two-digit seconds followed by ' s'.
5 h 28 min
